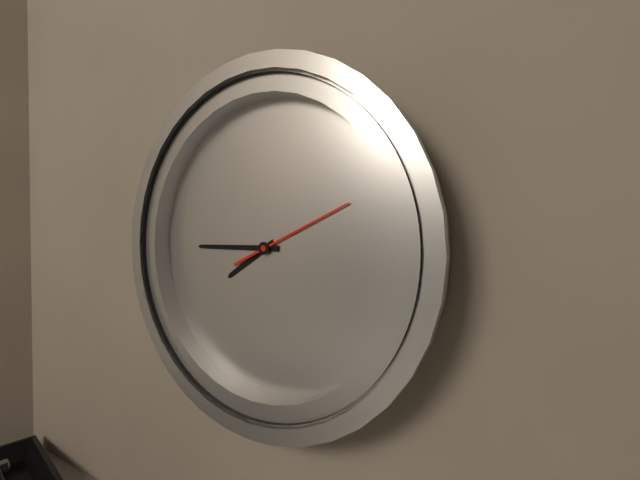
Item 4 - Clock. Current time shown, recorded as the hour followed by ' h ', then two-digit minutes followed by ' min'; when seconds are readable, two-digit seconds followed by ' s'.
7 h 44 min 10 s
